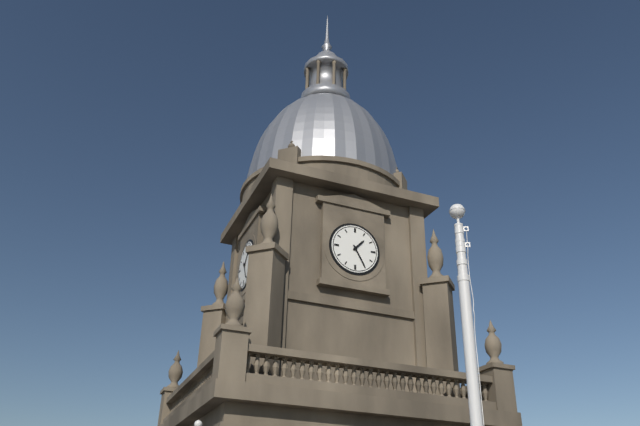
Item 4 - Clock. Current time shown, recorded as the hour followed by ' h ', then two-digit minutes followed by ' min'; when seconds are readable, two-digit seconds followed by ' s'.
1 h 25 min
